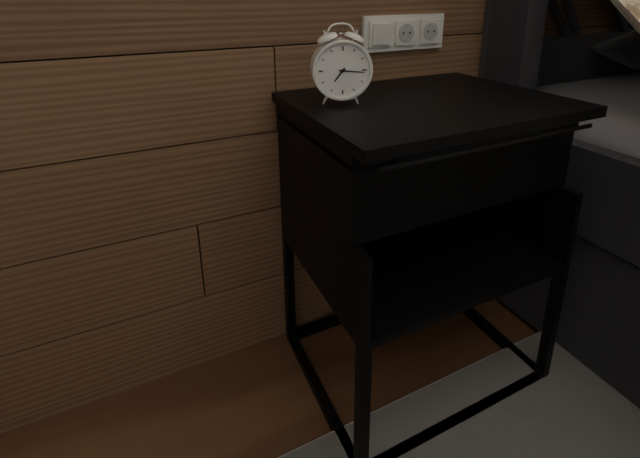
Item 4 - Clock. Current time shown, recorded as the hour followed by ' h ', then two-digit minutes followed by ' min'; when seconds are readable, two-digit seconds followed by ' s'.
7 h 16 min
